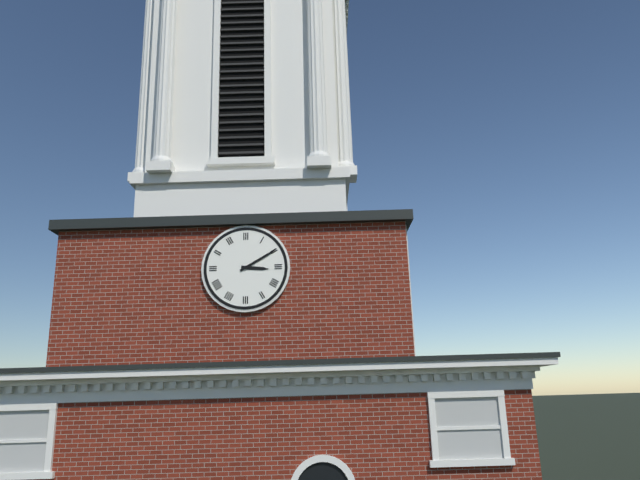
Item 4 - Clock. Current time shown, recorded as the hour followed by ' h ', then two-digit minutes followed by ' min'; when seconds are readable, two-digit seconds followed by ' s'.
3 h 10 min
